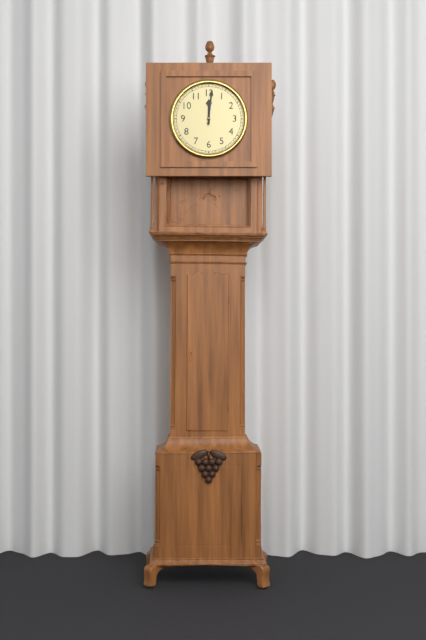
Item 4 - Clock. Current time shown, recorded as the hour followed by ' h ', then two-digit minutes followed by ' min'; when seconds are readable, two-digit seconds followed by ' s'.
12 h 01 min
